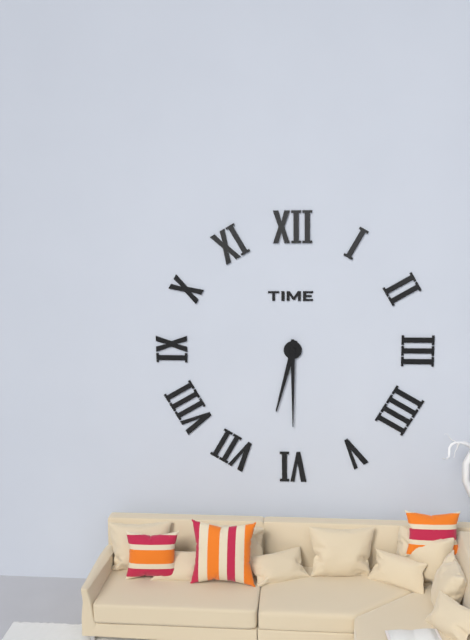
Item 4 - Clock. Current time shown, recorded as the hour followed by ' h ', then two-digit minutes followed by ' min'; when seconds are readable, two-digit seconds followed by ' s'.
6 h 30 min
